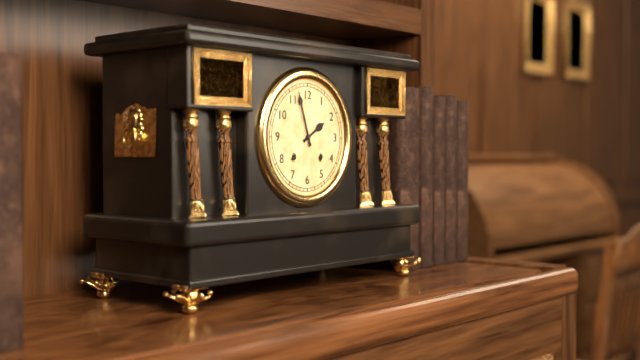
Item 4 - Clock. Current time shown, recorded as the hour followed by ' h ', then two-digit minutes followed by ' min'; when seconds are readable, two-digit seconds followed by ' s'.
1 h 57 min
